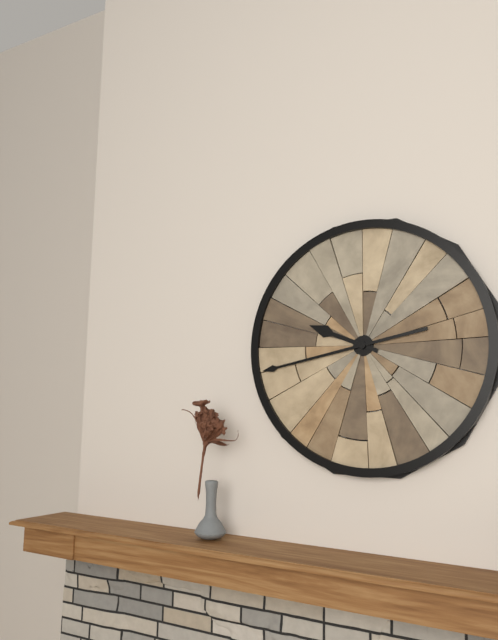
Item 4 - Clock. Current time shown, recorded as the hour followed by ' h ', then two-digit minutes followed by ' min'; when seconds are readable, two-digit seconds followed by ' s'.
9 h 43 min
